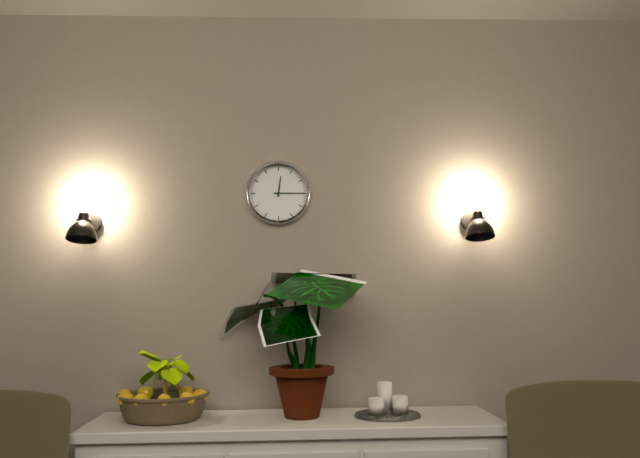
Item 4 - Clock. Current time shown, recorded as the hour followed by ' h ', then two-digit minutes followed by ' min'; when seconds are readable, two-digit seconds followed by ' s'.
12 h 15 min
